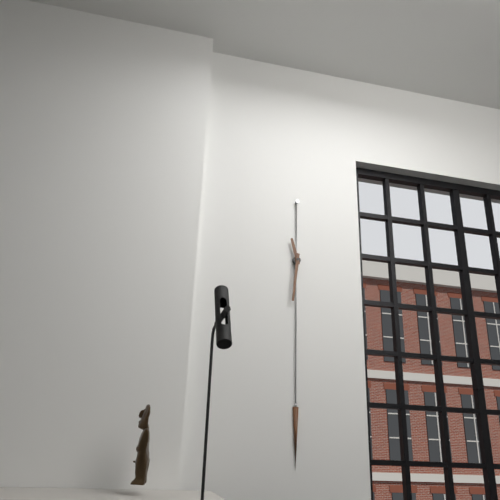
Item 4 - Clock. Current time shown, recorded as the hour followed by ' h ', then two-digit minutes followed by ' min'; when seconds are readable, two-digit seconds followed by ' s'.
11 h 31 min
